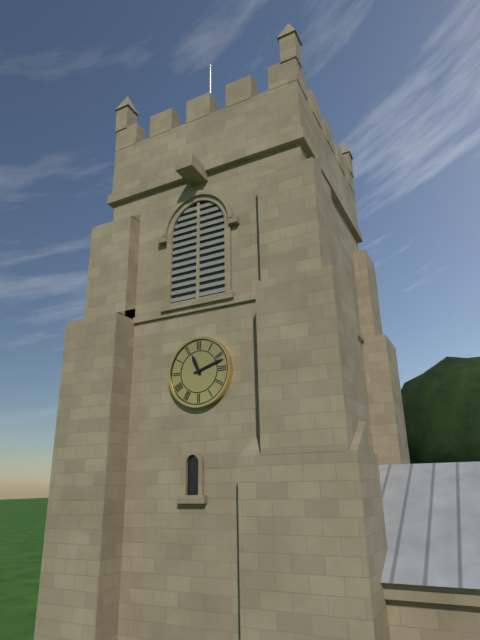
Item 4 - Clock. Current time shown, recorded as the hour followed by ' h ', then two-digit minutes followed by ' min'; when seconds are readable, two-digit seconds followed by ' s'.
11 h 12 min
